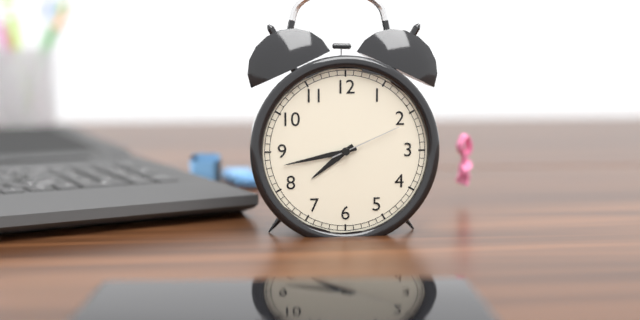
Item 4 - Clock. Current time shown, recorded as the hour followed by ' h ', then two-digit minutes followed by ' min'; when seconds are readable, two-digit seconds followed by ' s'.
7 h 43 min 11 s
